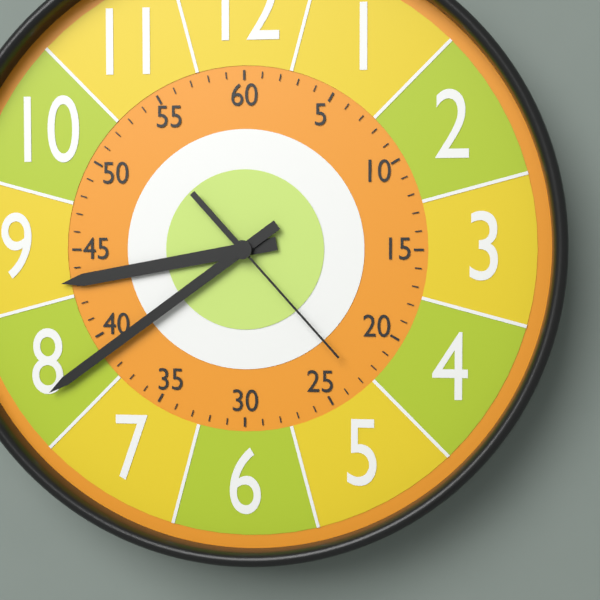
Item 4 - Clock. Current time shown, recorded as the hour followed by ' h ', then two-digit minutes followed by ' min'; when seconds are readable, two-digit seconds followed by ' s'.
8 h 39 min 23 s
